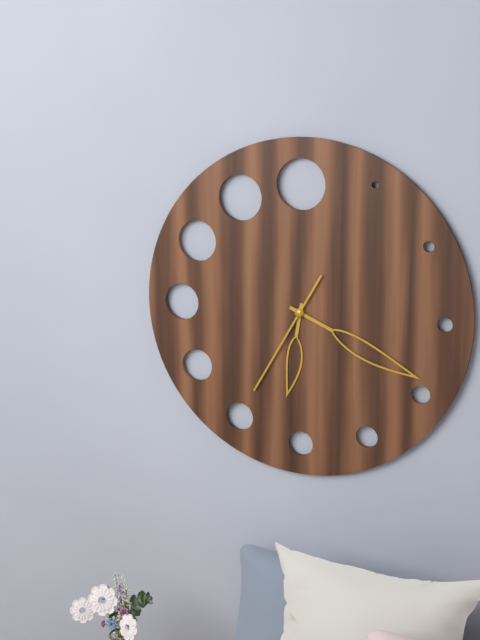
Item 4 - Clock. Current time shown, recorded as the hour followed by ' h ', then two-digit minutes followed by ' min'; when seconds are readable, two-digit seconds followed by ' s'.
6 h 19 min 35 s
